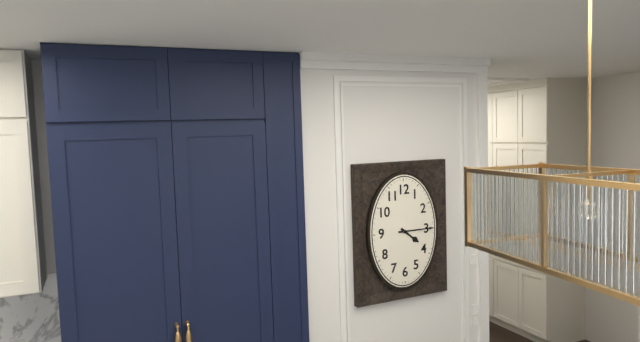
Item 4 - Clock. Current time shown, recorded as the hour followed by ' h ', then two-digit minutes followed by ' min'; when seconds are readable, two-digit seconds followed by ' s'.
4 h 15 min
